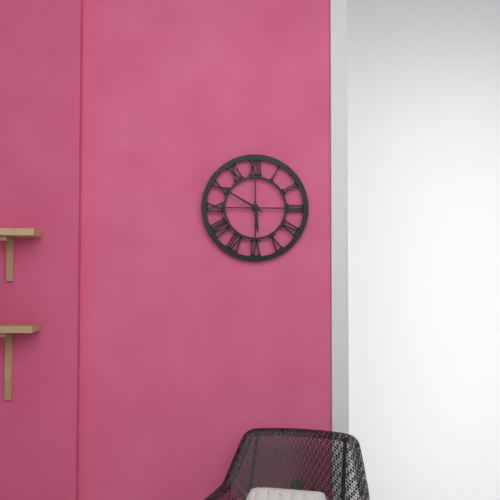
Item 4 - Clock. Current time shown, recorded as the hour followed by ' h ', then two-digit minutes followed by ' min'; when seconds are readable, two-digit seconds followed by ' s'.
5 h 50 min
